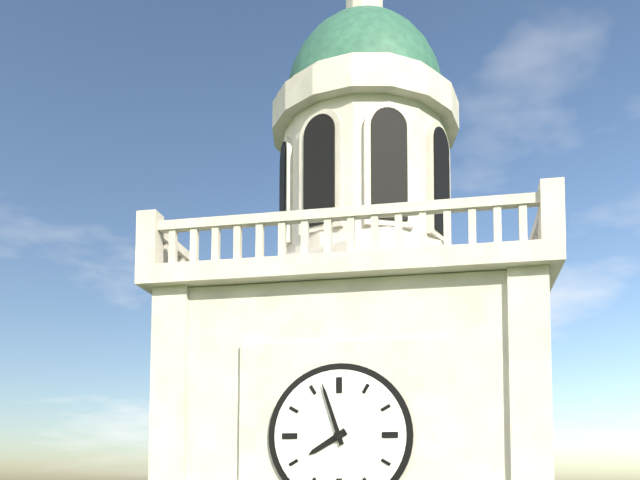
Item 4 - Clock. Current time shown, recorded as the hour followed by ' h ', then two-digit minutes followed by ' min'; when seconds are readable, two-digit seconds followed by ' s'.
7 h 57 min
